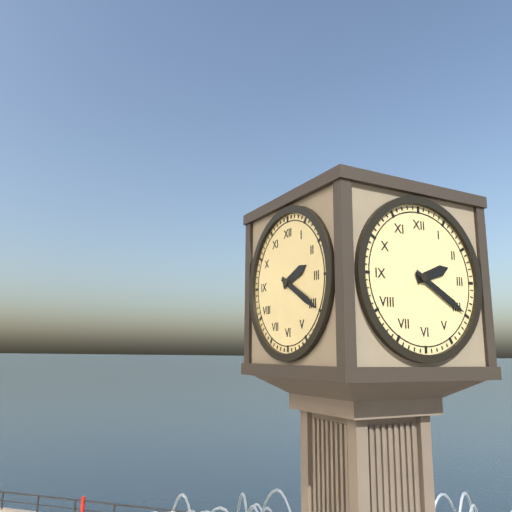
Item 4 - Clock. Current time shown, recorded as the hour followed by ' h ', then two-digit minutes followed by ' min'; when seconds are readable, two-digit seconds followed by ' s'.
2 h 20 min
